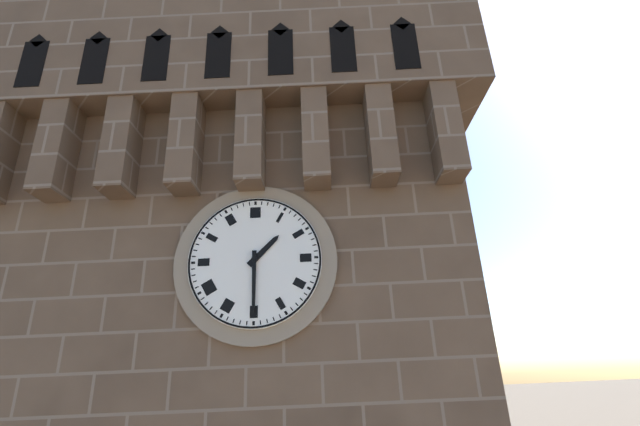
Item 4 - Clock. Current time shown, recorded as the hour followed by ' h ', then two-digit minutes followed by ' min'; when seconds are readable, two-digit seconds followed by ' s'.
1 h 30 min
